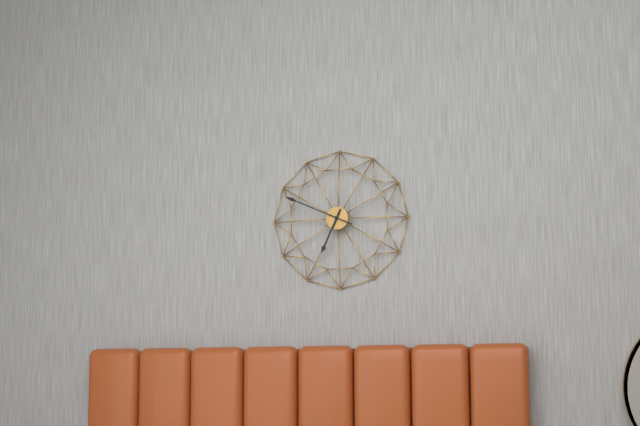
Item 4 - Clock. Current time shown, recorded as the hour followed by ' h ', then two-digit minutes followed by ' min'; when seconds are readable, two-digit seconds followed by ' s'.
6 h 49 min
